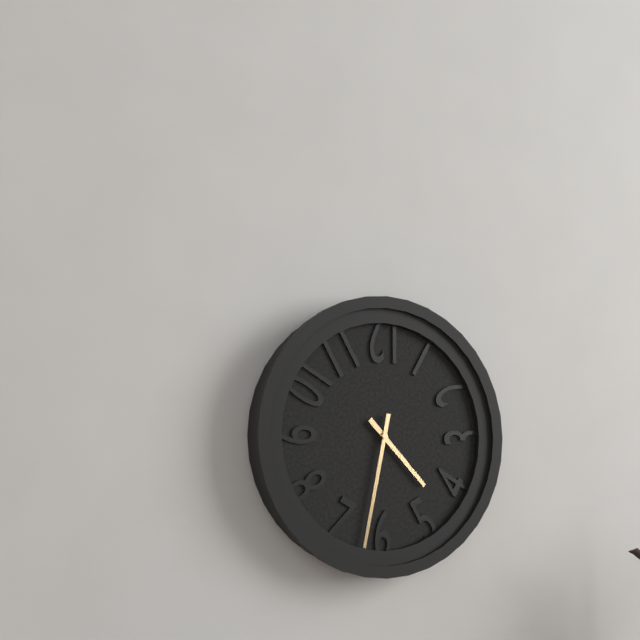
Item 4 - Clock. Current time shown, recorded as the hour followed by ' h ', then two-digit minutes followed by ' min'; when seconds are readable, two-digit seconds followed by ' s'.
4 h 32 min
